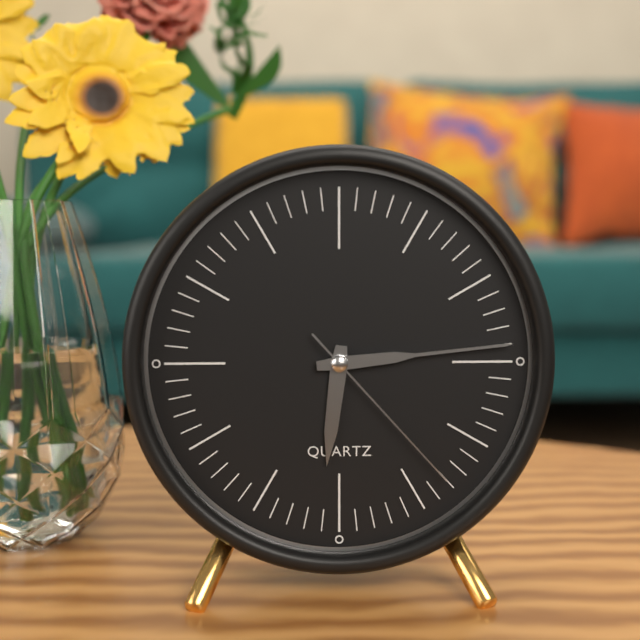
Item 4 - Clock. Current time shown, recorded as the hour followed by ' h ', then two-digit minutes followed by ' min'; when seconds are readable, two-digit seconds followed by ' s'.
6 h 14 min 23 s
